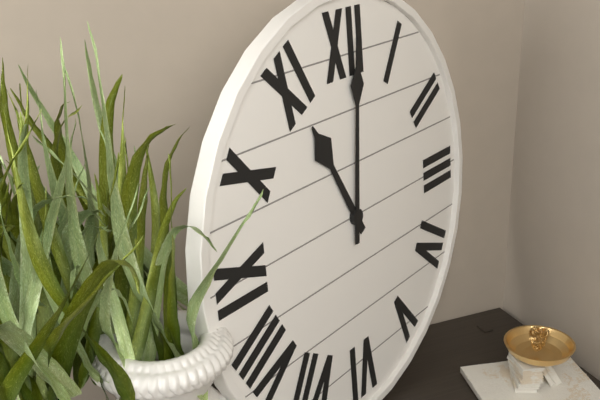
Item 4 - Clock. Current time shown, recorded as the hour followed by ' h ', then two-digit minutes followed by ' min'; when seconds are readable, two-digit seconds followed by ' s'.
11 h 01 min
